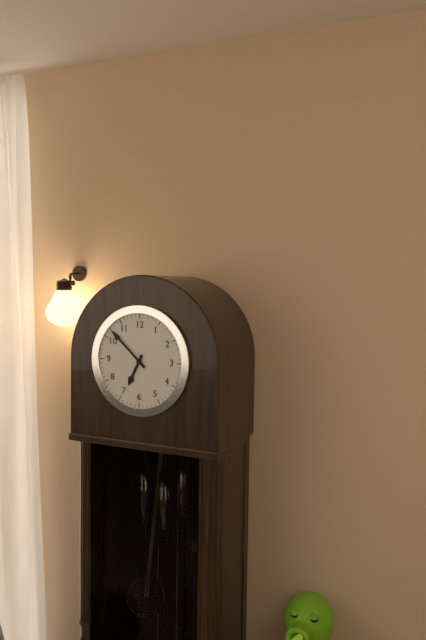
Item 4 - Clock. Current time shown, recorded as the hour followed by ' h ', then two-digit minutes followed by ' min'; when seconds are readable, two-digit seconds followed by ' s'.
6 h 52 min
